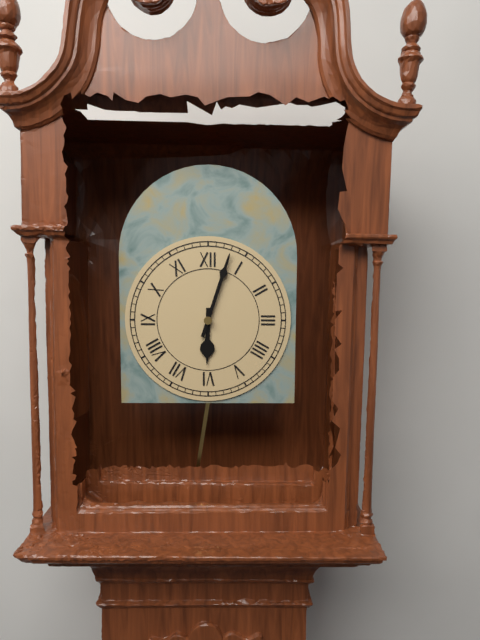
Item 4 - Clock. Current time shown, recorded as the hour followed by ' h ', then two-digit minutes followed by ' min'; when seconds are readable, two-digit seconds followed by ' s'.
6 h 03 min
